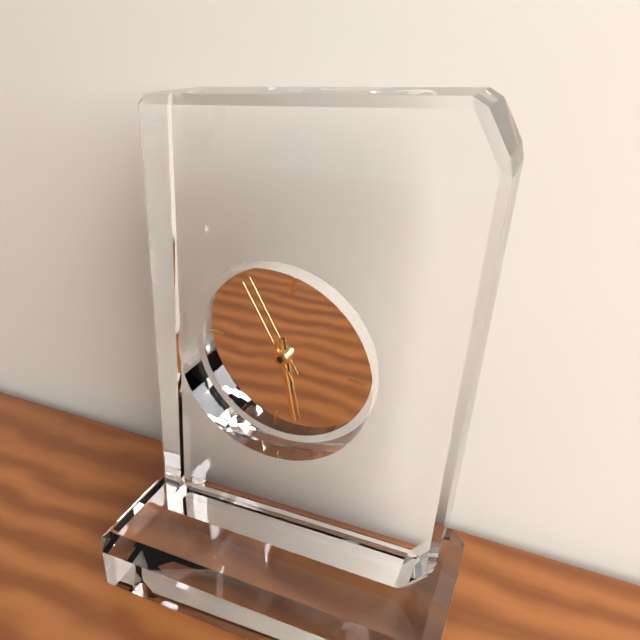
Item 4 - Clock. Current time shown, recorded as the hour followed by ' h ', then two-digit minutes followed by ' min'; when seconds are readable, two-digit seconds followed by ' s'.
5 h 27 min 54 s
